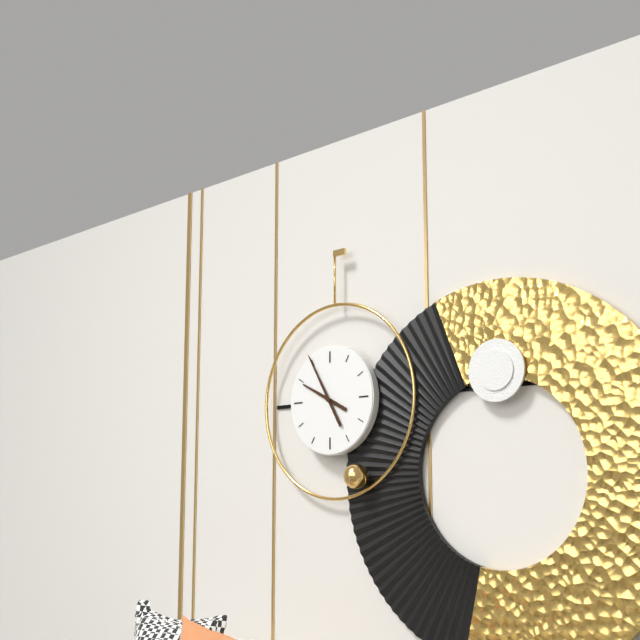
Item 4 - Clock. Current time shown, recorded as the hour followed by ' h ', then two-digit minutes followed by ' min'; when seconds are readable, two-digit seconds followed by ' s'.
9 h 55 min
